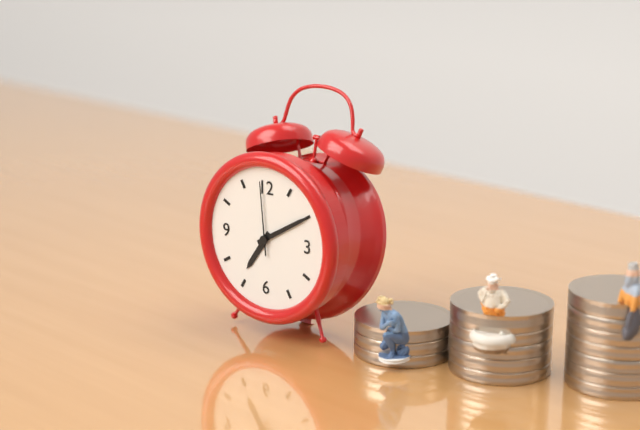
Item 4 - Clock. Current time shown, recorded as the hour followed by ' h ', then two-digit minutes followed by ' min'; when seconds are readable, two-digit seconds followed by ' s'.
7 h 10 min 59 s
